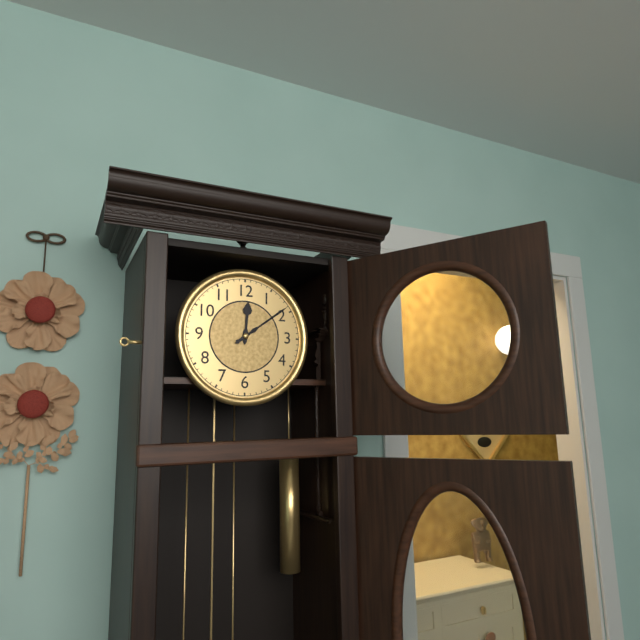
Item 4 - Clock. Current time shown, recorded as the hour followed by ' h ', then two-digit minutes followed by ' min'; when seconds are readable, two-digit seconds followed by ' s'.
12 h 09 min
